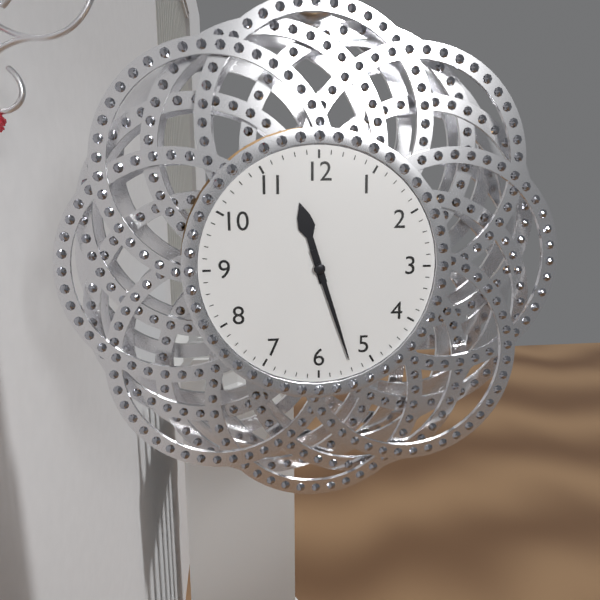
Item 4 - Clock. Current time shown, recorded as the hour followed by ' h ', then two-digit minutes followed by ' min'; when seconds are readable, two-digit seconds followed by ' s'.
11 h 27 min
